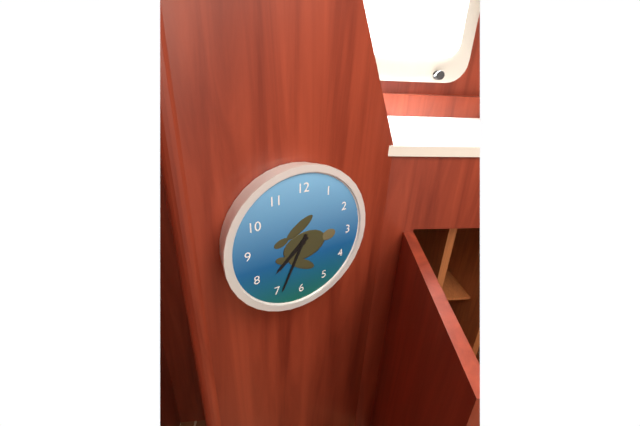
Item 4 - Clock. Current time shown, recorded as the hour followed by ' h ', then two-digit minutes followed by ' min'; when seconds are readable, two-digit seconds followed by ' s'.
7 h 34 min
